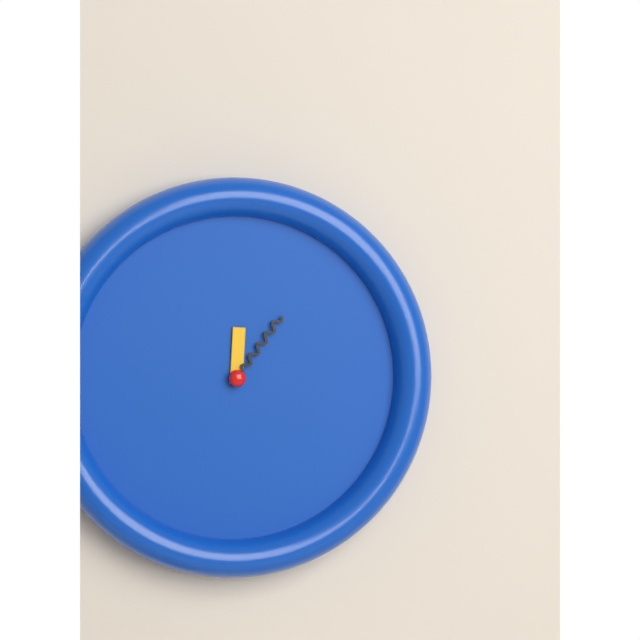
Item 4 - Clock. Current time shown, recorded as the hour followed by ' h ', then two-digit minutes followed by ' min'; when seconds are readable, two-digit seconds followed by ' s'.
12 h 06 min
